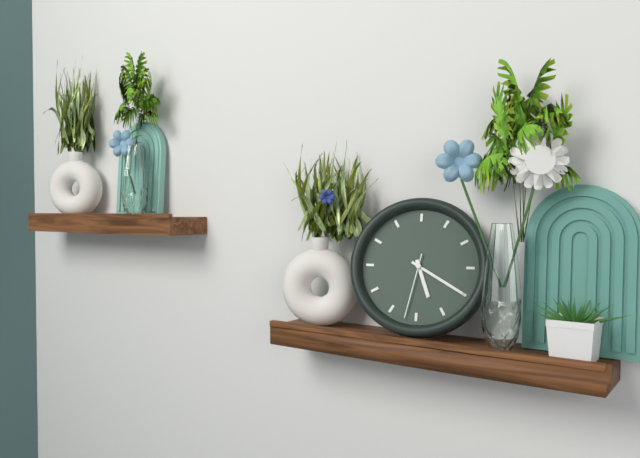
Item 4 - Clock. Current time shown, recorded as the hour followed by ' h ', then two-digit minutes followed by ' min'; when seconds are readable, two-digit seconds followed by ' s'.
5 h 20 min 32 s
